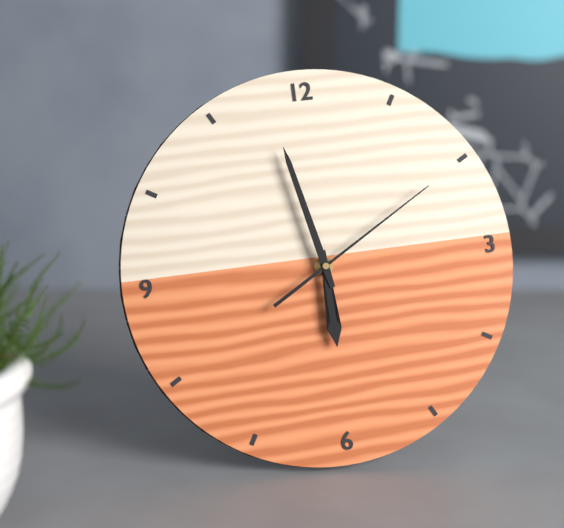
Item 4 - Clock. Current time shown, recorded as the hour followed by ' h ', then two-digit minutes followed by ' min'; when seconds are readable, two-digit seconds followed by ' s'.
5 h 58 min 10 s
